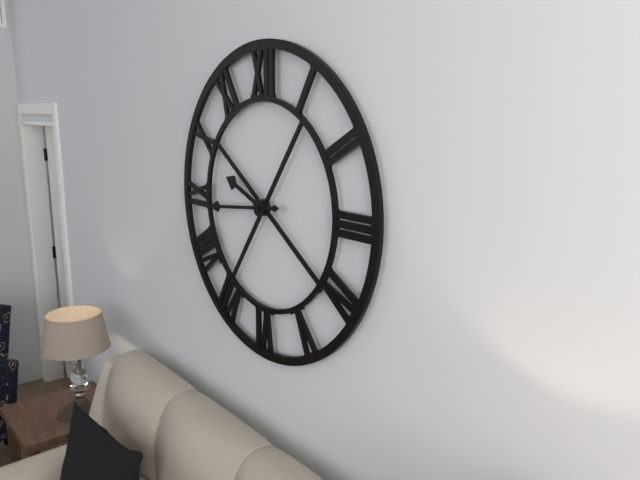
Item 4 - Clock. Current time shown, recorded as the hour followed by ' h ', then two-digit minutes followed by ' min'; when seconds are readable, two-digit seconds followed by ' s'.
9 h 44 min
